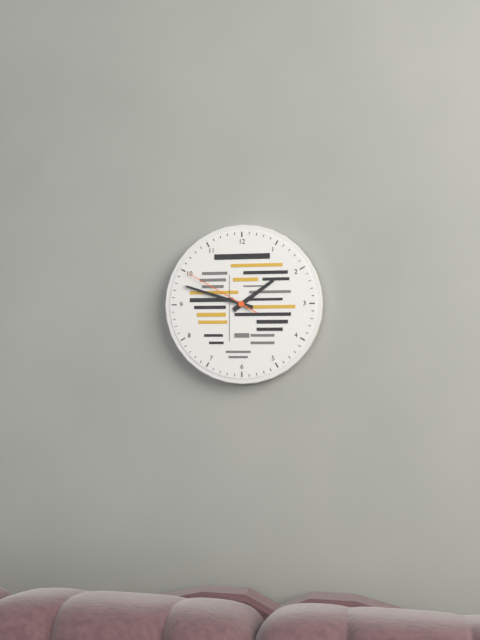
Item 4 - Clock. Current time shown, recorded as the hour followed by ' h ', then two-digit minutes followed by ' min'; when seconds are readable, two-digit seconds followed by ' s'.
1 h 48 min 50 s
